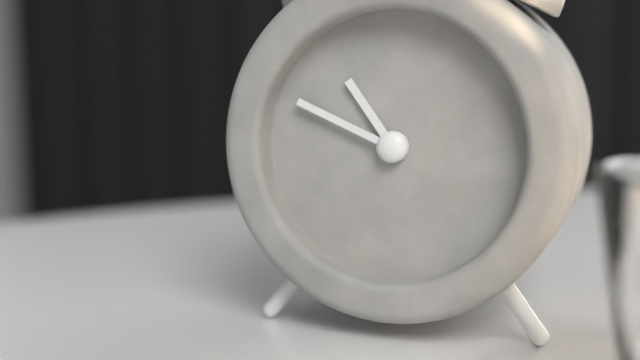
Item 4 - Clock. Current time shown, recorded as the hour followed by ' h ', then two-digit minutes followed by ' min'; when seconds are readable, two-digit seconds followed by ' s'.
10 h 49 min
